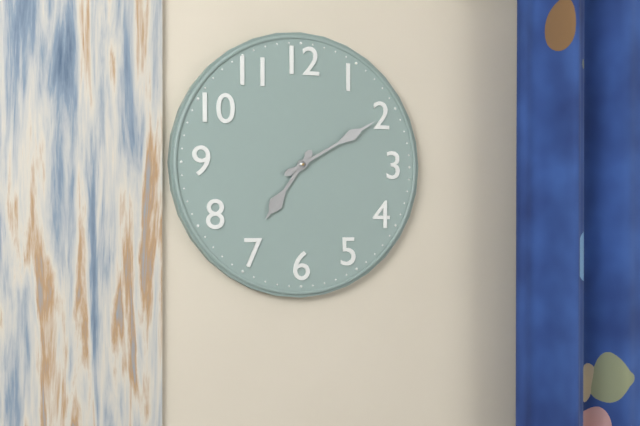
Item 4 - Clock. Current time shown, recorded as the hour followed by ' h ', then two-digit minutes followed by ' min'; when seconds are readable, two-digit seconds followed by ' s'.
7 h 10 min
